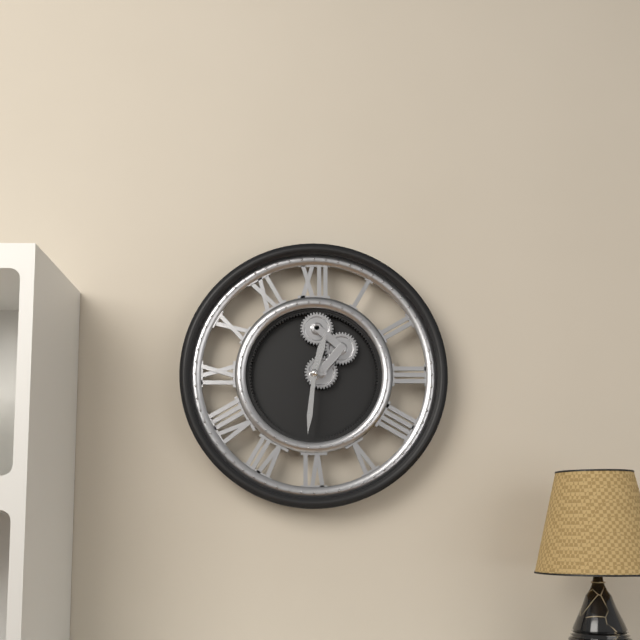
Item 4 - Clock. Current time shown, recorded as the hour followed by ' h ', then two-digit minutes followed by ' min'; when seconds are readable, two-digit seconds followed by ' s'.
12 h 31 min
